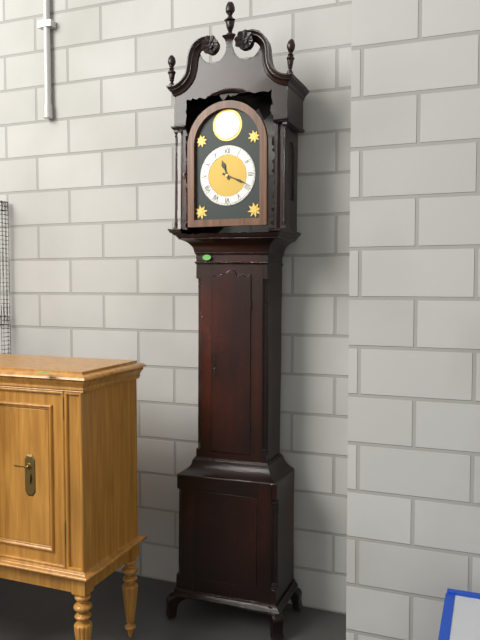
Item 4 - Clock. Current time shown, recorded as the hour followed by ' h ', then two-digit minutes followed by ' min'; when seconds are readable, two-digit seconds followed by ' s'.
11 h 19 min
